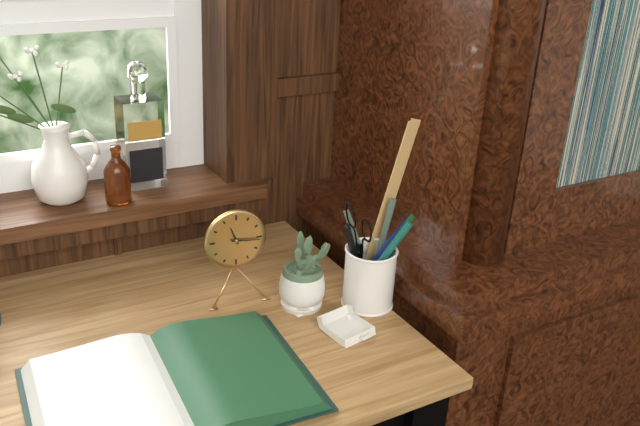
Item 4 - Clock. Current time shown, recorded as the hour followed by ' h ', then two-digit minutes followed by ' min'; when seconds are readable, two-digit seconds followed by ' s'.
11 h 16 min
